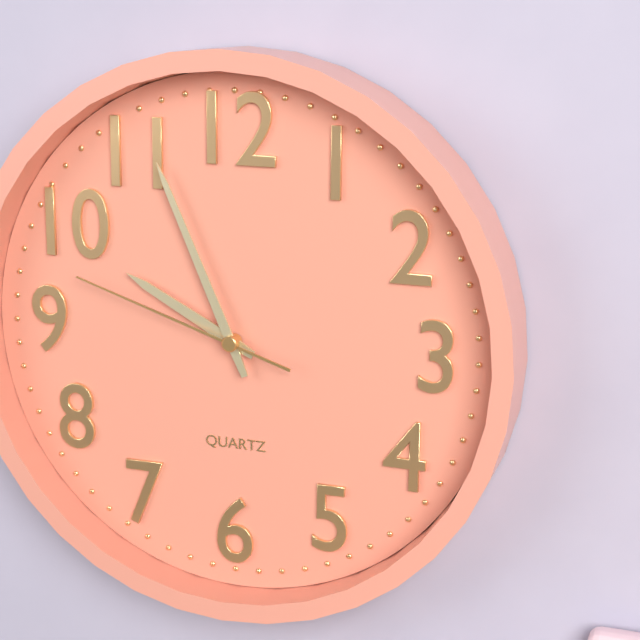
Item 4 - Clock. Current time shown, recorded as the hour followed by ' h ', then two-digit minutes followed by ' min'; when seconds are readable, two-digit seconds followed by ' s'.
9 h 56 min 48 s
